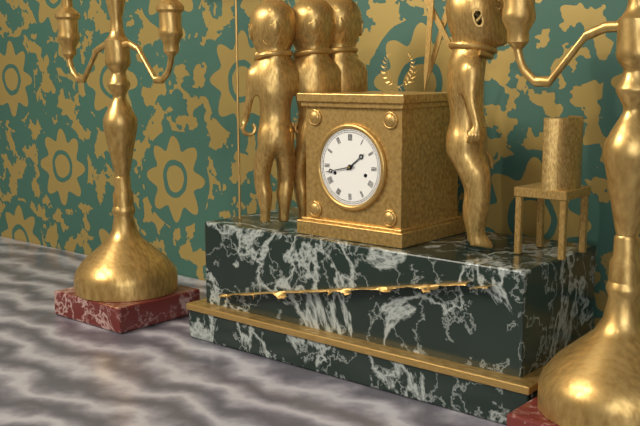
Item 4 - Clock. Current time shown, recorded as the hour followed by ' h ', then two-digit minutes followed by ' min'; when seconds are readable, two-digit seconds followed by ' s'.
1 h 43 min
